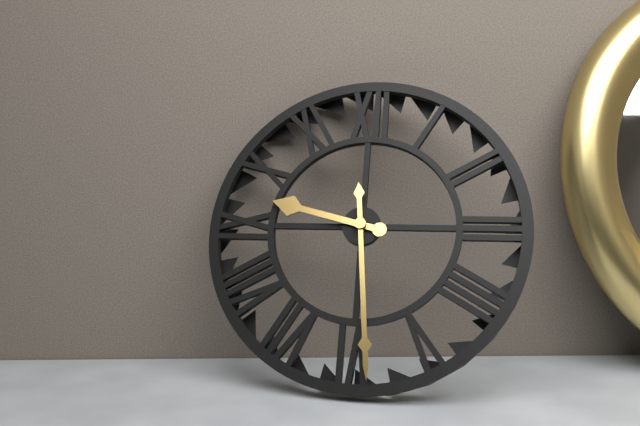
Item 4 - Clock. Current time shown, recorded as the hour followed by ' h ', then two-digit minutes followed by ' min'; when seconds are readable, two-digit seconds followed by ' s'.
9 h 29 min
